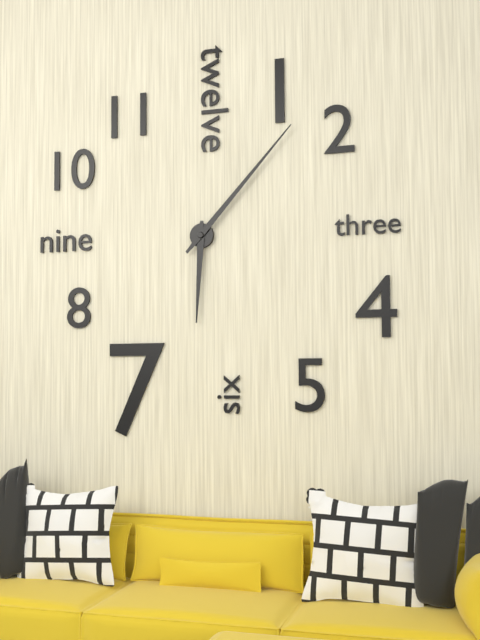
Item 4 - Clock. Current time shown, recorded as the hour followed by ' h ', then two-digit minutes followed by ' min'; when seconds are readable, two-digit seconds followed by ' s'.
6 h 07 min
